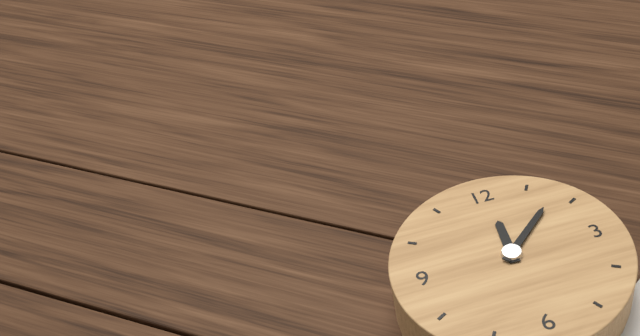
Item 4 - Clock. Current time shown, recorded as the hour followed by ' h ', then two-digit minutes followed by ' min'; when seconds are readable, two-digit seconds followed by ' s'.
12 h 08 min
